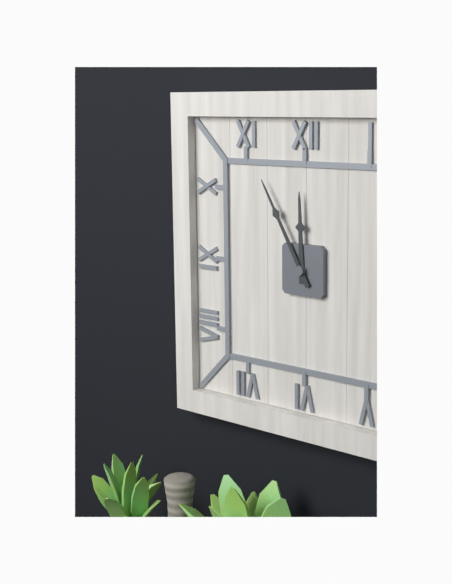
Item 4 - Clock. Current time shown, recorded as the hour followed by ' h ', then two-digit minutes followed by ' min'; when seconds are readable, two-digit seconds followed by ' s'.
11 h 55 min
